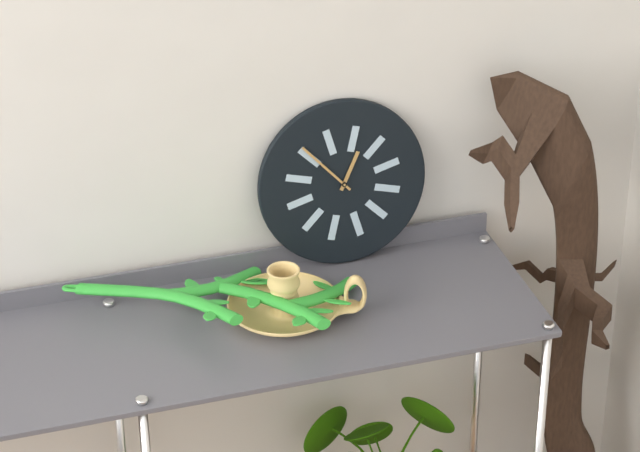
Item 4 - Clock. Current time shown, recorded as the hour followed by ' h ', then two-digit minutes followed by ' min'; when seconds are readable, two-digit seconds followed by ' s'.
12 h 53 min
